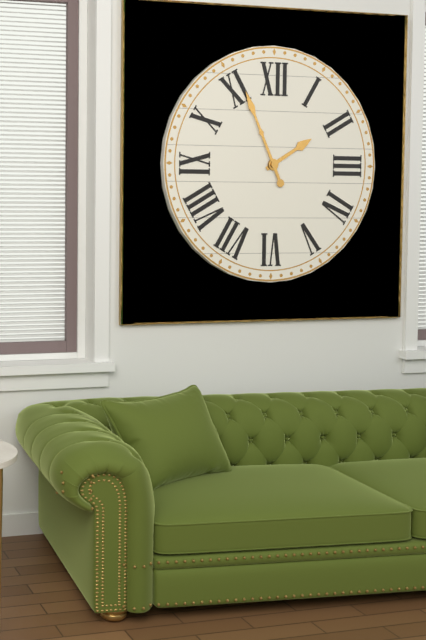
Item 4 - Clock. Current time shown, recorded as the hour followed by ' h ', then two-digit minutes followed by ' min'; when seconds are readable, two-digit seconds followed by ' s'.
1 h 56 min
